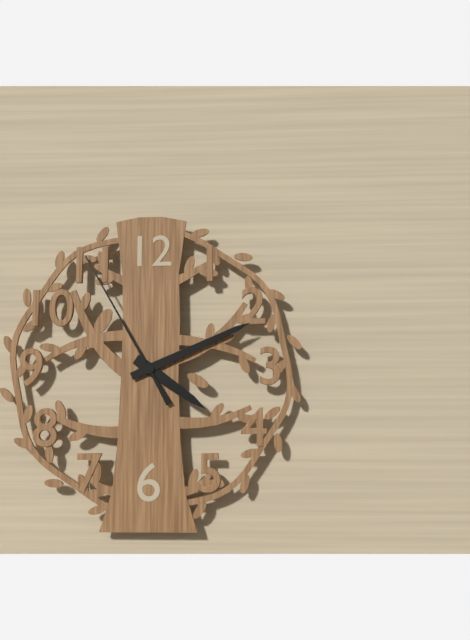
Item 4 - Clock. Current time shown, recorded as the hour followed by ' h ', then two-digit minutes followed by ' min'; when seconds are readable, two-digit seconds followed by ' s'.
4 h 11 min 55 s
